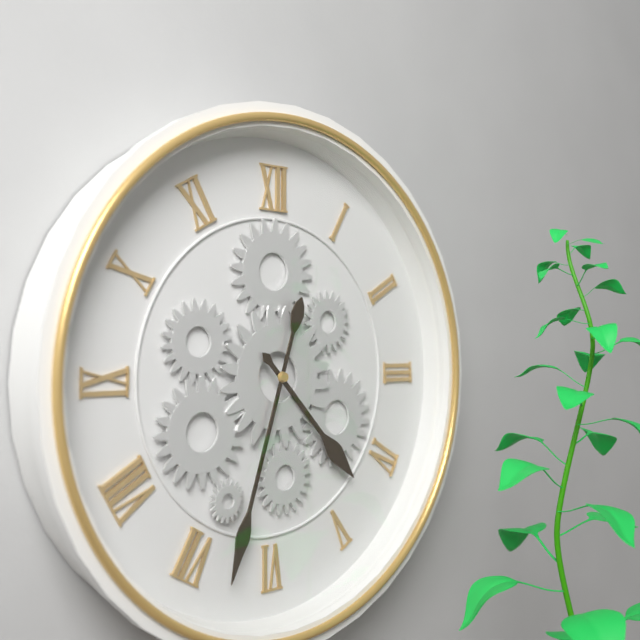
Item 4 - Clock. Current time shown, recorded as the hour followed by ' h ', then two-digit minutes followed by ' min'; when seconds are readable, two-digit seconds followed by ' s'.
4 h 33 min
